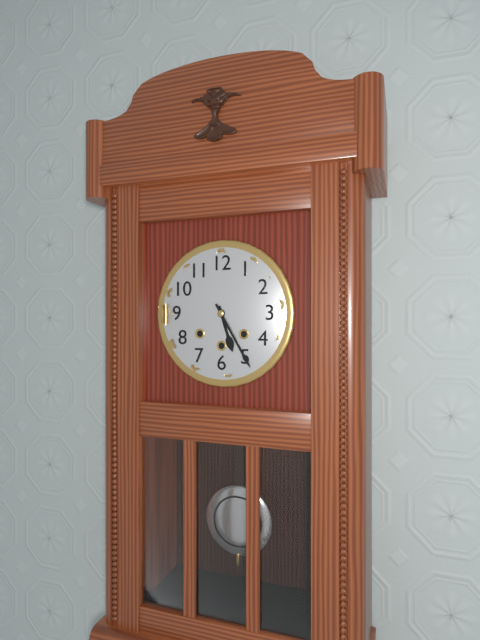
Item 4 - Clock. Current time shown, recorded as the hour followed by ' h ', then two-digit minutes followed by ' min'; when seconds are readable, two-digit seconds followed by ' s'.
5 h 25 min
